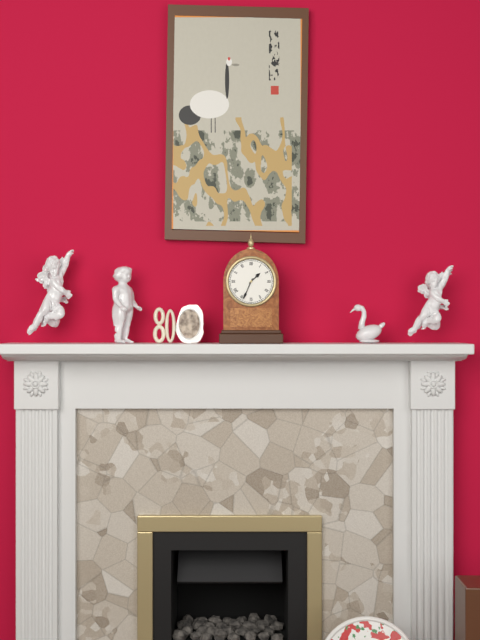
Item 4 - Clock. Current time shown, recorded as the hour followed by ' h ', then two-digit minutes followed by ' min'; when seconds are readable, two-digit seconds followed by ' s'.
1 h 34 min
